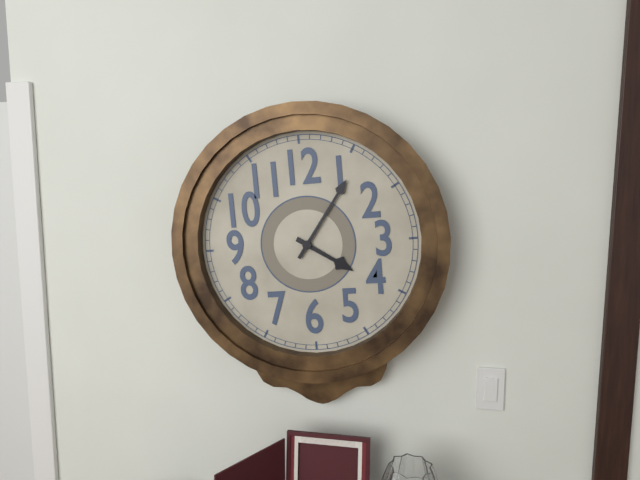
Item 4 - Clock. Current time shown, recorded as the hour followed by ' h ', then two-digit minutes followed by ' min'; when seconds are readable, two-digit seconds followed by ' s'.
4 h 06 min
